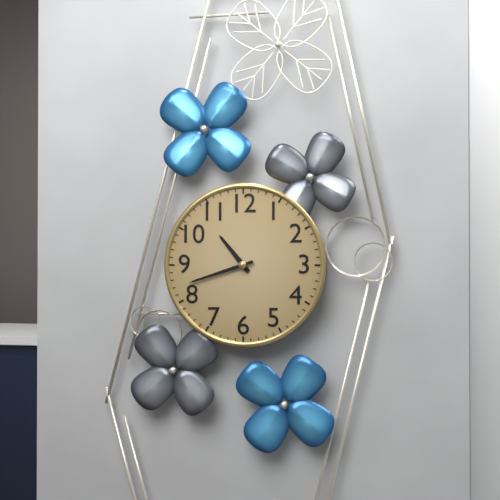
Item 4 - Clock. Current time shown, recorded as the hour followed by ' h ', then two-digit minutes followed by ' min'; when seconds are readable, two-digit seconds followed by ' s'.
10 h 42 min
